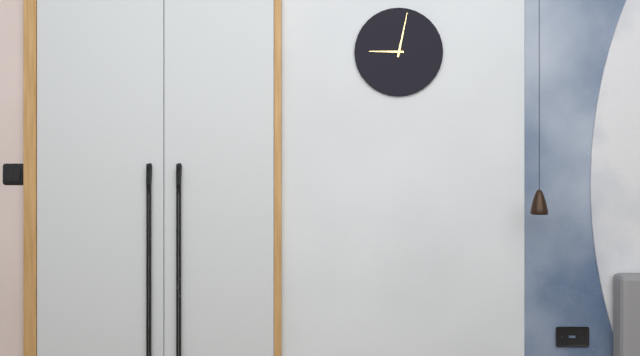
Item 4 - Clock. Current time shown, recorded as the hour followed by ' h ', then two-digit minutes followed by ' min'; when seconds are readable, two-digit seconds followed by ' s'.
9 h 02 min
